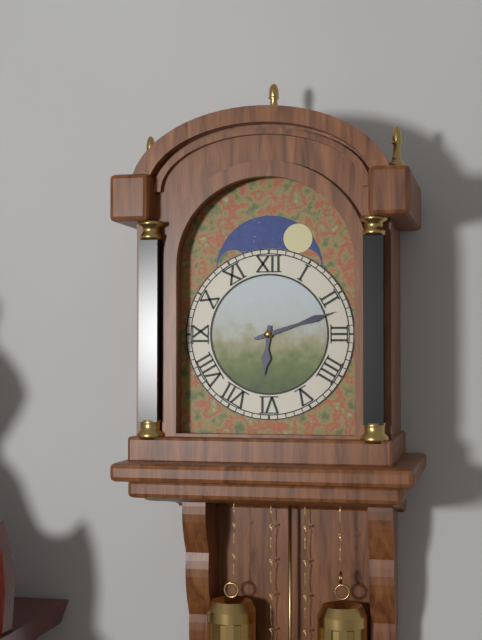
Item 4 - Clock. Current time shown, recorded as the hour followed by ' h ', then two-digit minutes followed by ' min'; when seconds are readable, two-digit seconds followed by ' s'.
6 h 12 min
